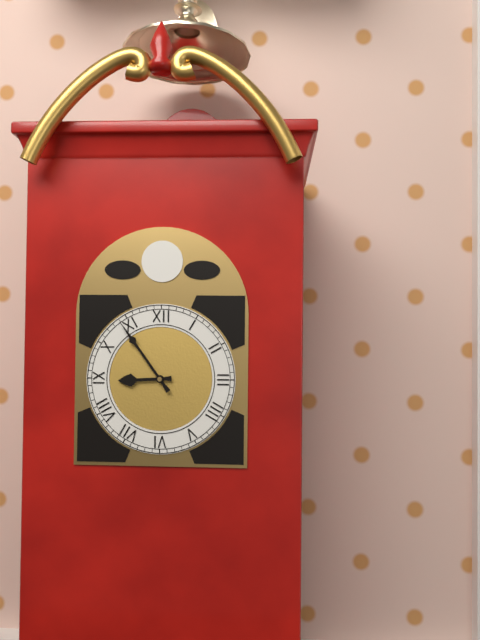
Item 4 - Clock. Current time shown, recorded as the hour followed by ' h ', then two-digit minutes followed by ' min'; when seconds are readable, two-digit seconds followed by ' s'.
8 h 54 min
